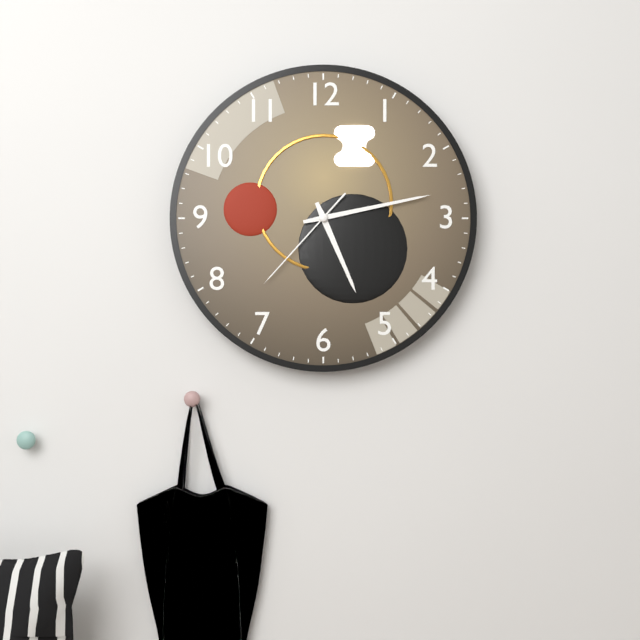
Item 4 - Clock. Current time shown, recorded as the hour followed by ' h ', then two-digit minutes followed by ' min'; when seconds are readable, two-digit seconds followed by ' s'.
5 h 13 min 37 s
